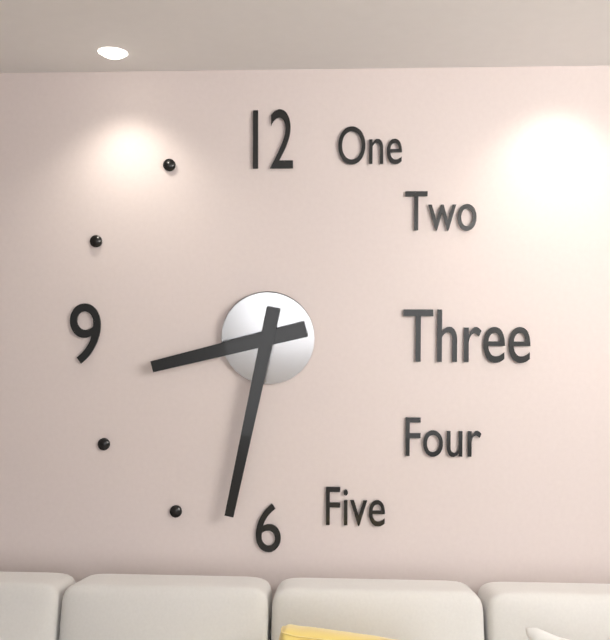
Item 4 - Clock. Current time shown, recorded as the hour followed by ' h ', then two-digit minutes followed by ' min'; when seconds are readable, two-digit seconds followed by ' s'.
8 h 32 min
